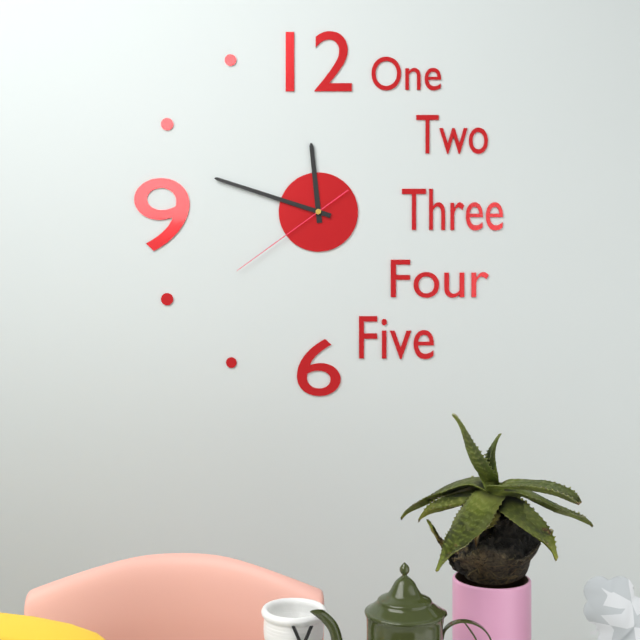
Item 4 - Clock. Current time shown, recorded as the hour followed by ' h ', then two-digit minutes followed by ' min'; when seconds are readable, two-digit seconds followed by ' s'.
11 h 48 min 39 s
